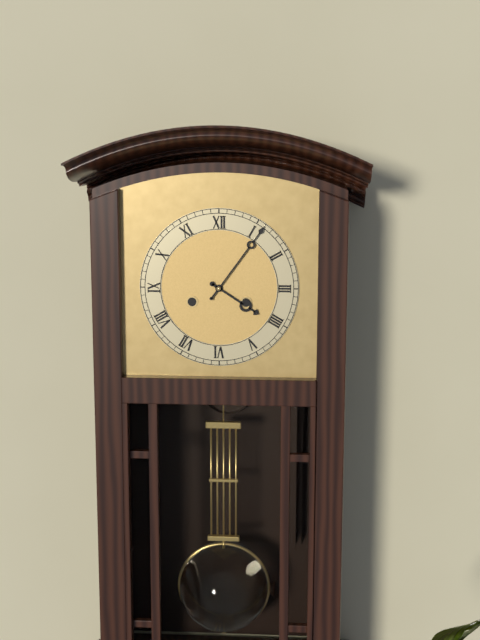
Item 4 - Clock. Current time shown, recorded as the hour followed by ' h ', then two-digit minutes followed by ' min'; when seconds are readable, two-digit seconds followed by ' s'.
4 h 06 min
